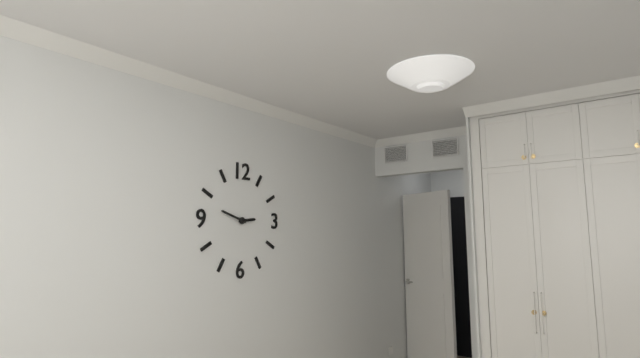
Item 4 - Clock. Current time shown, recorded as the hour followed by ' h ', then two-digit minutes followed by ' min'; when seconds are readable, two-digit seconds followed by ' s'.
2 h 48 min
